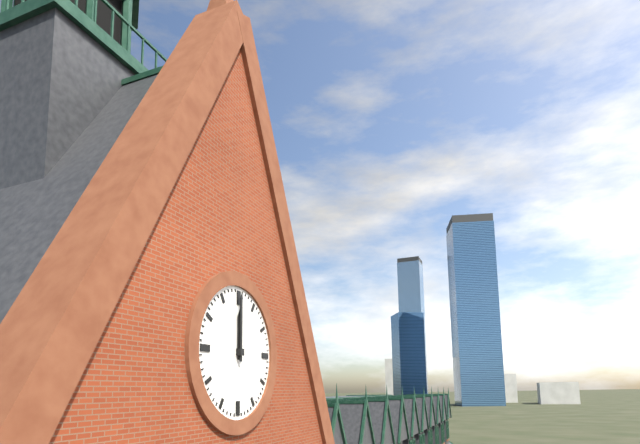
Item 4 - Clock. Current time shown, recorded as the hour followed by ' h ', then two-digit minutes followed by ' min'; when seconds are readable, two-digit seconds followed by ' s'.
12 h 00 min
